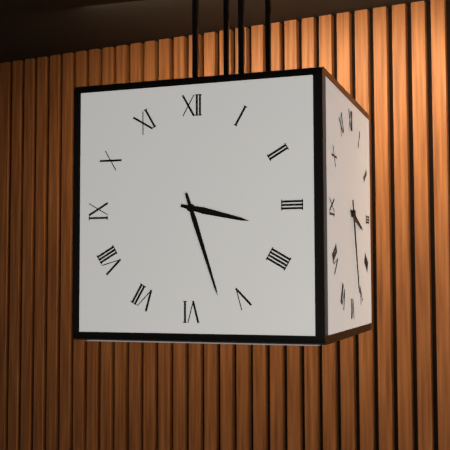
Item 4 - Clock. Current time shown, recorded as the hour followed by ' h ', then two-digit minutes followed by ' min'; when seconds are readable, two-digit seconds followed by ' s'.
3 h 27 min
